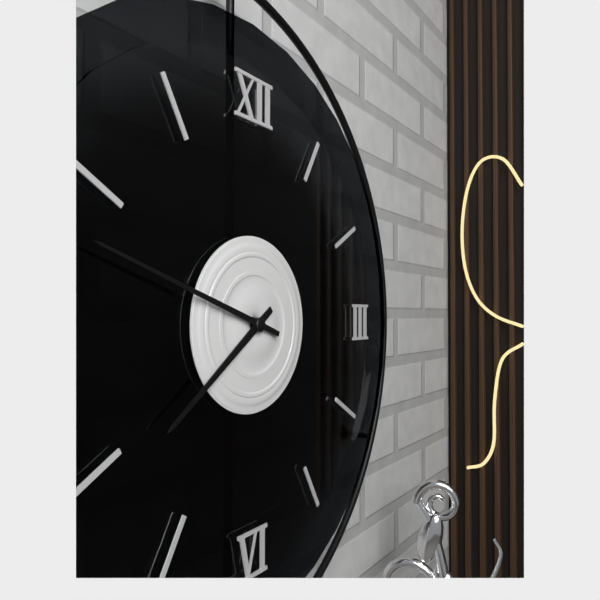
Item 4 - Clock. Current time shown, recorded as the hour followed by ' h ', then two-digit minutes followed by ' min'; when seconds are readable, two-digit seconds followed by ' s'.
7 h 48 min
